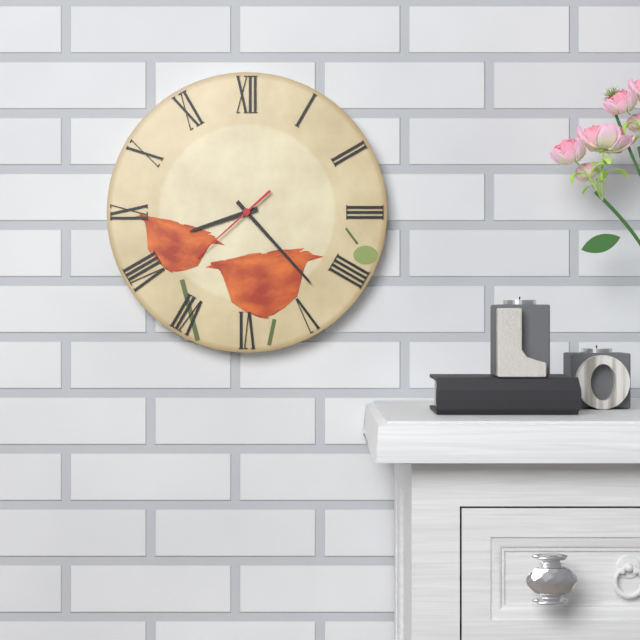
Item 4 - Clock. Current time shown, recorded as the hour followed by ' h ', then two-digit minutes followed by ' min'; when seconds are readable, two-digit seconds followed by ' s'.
8 h 23 min 38 s
